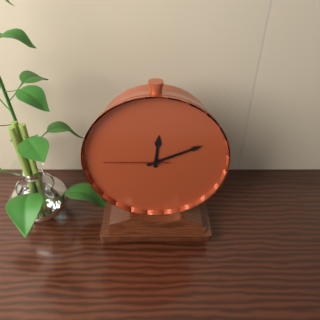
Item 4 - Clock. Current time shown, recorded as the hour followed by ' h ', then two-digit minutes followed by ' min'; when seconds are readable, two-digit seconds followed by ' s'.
12 h 11 min 45 s
